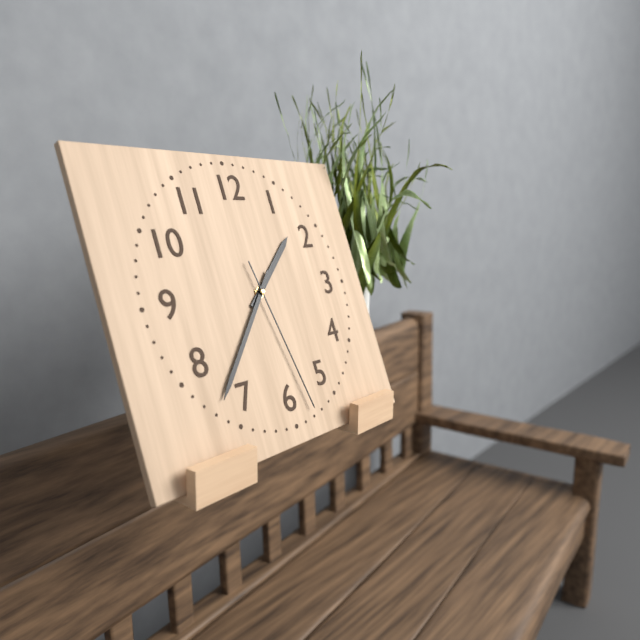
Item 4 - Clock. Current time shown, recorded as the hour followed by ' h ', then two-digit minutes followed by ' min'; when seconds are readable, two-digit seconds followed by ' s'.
1 h 37 min 28 s
